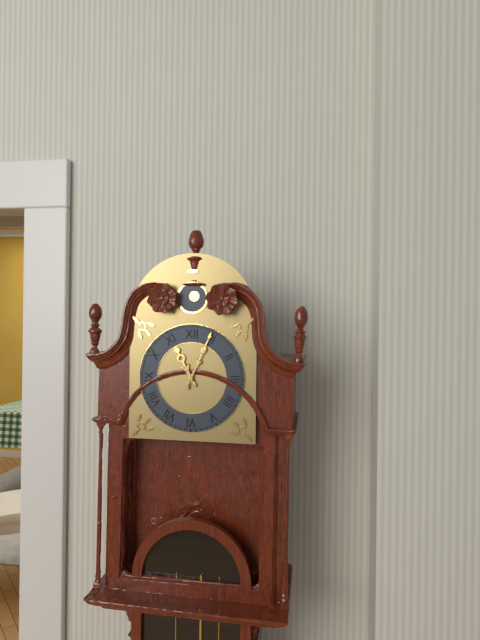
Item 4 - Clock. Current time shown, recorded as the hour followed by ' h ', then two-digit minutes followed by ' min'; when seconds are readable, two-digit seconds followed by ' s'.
11 h 04 min
